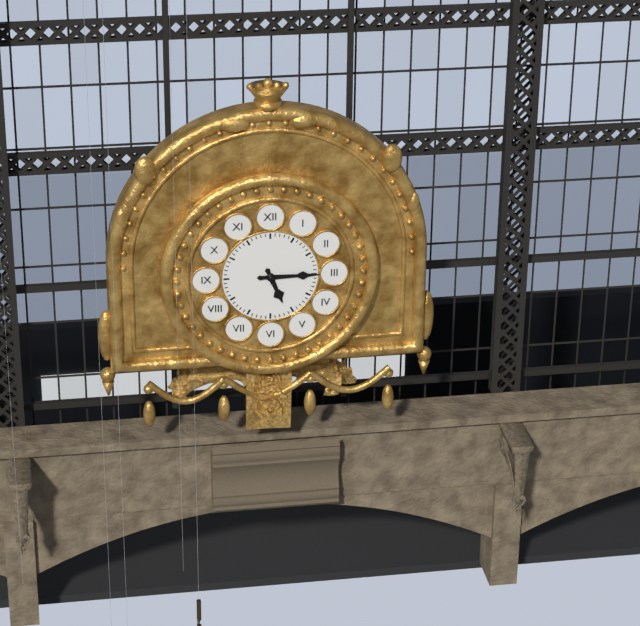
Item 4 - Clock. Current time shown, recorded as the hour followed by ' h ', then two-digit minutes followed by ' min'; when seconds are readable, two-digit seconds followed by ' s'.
5 h 15 min
